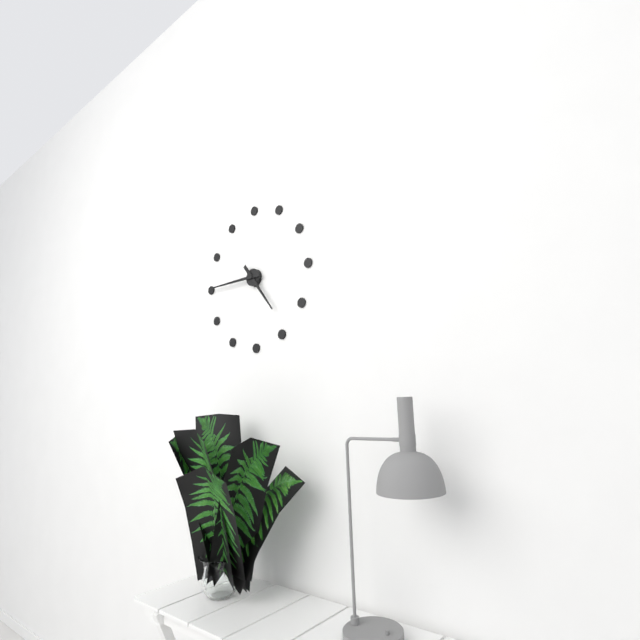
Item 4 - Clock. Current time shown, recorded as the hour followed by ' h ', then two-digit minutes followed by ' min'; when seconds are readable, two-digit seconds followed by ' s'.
4 h 45 min
